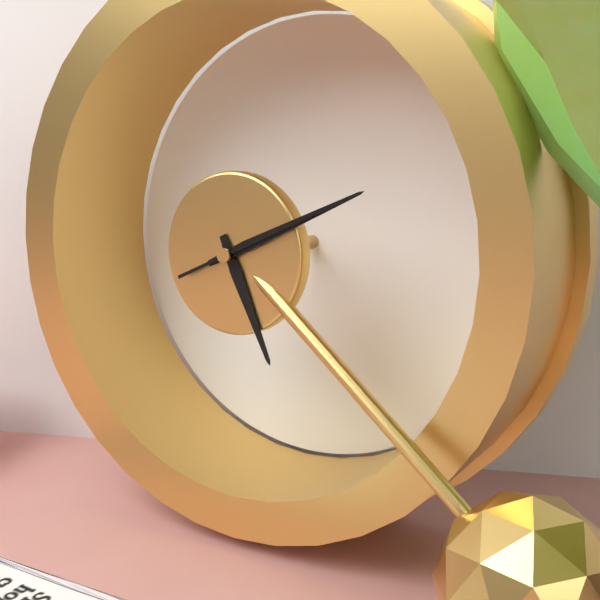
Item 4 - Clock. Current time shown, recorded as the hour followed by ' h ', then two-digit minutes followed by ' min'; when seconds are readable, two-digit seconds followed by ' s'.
5 h 11 min 11 s
